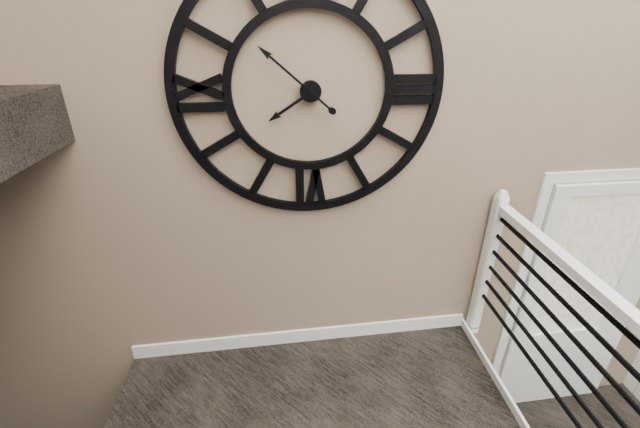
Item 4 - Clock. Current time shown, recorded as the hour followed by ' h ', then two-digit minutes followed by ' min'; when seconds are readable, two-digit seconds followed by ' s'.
7 h 52 min
